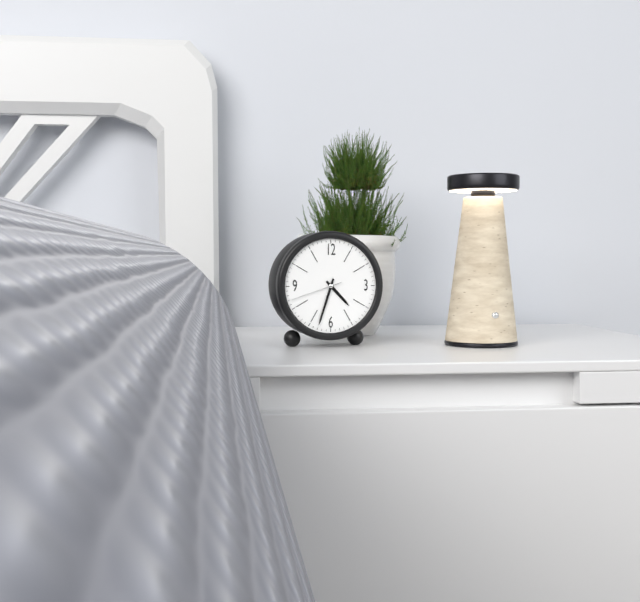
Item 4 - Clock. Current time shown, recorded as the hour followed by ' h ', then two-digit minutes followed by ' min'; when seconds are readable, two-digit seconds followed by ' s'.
4 h 33 min 42 s
